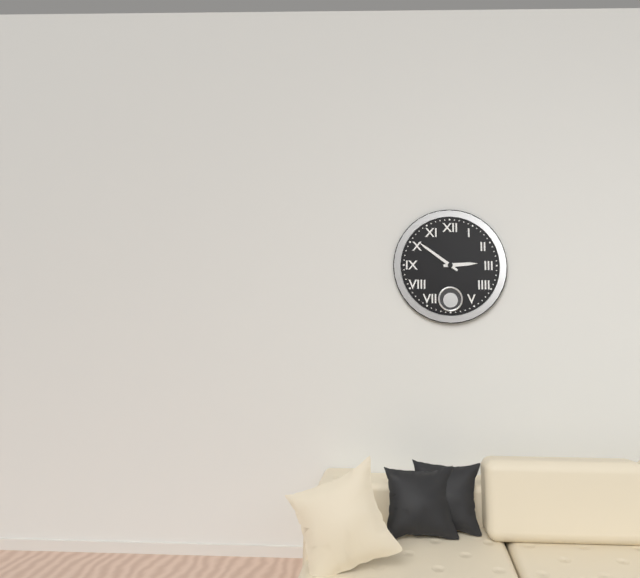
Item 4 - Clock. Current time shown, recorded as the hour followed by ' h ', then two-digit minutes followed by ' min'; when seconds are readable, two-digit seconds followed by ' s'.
2 h 51 min
